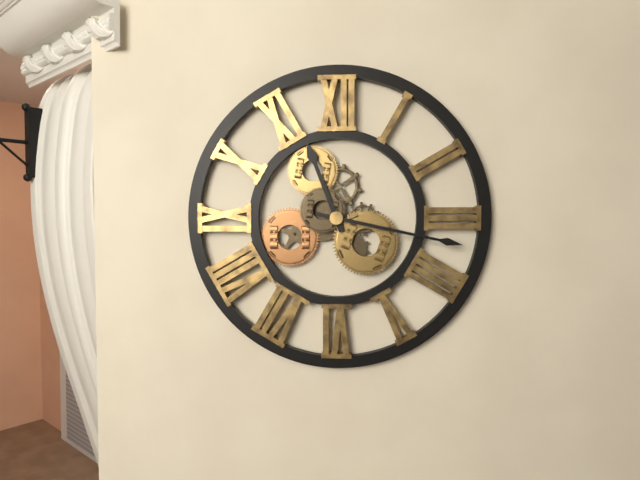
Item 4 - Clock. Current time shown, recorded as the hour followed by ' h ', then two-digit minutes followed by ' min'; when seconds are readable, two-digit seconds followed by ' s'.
11 h 17 min
